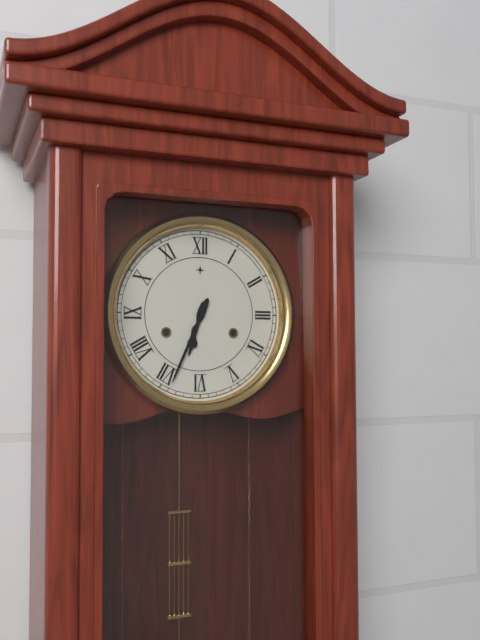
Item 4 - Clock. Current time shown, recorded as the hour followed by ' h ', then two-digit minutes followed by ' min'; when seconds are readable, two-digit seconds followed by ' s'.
6 h 34 min
